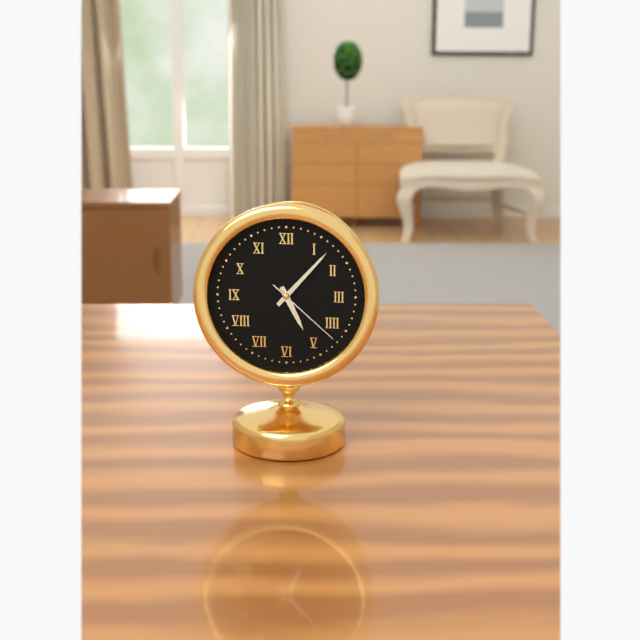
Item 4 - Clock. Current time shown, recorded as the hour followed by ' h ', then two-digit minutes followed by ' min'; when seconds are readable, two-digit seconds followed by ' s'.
5 h 07 min 22 s
